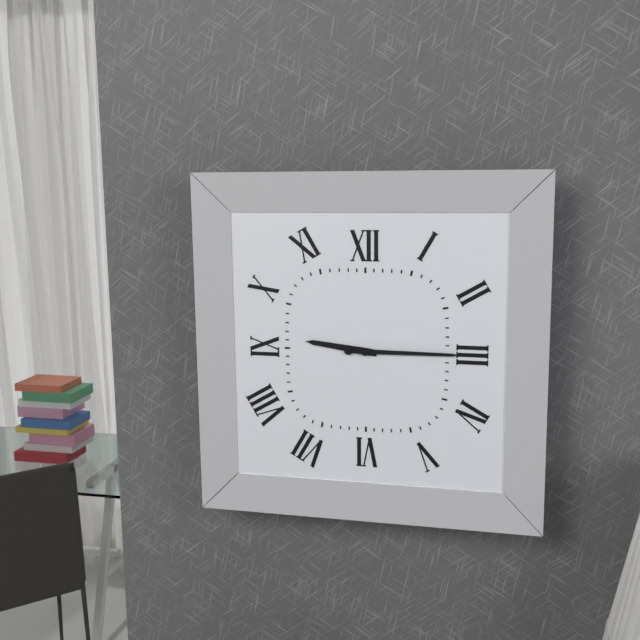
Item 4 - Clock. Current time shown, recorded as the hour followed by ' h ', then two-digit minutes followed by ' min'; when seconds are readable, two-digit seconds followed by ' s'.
9 h 15 min
